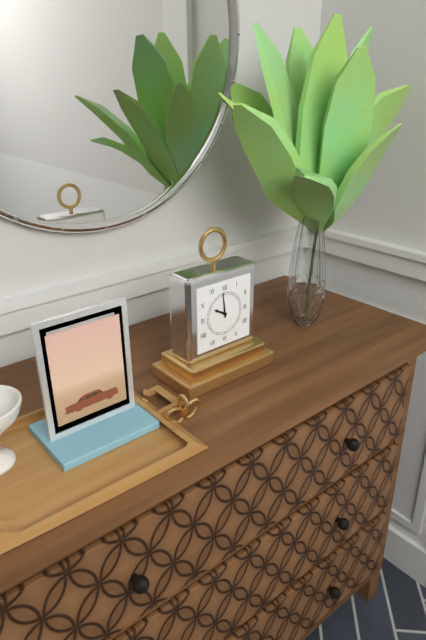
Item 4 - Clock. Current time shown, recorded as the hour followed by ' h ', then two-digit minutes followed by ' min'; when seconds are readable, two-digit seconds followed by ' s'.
9 h 59 min
